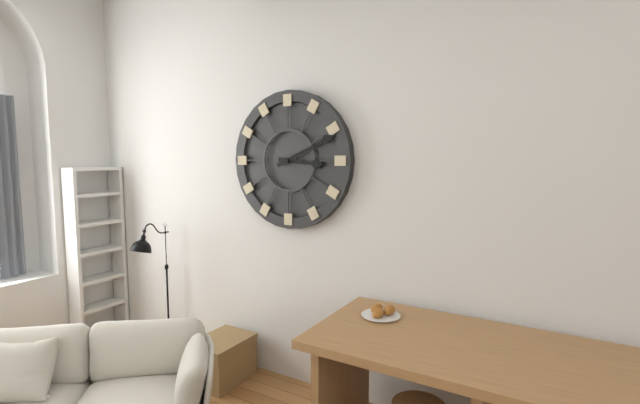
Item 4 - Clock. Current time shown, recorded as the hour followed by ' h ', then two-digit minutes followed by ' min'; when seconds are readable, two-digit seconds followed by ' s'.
3 h 11 min
